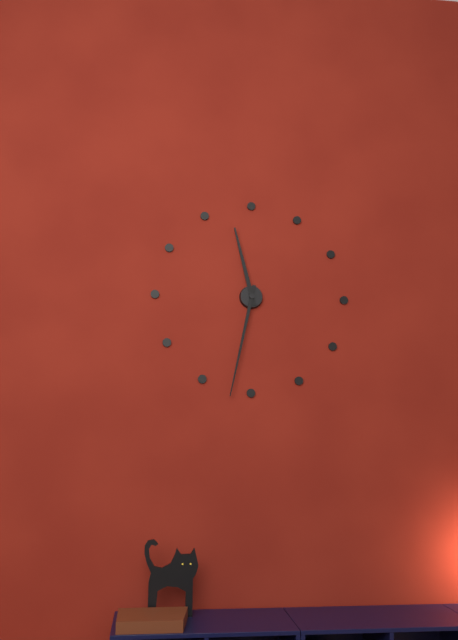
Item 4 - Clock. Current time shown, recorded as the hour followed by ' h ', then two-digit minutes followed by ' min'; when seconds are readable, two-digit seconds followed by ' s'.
11 h 32 min
